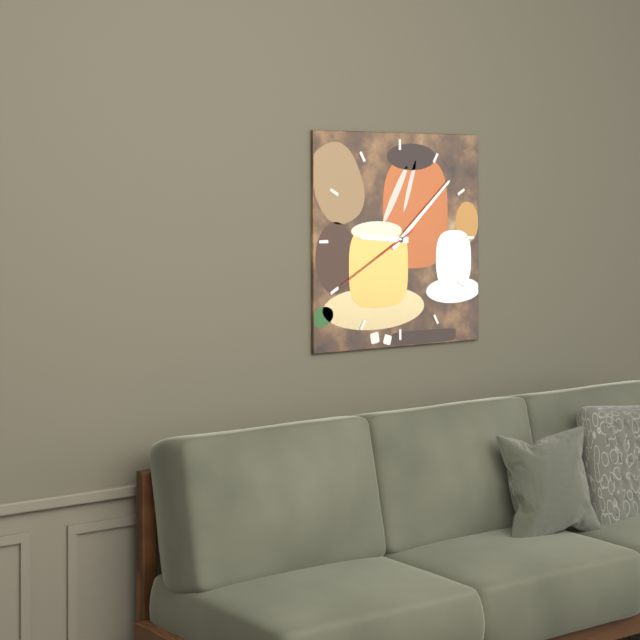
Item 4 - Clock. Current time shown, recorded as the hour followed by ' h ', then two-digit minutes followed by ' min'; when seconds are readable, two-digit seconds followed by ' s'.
9 h 08 min 40 s
